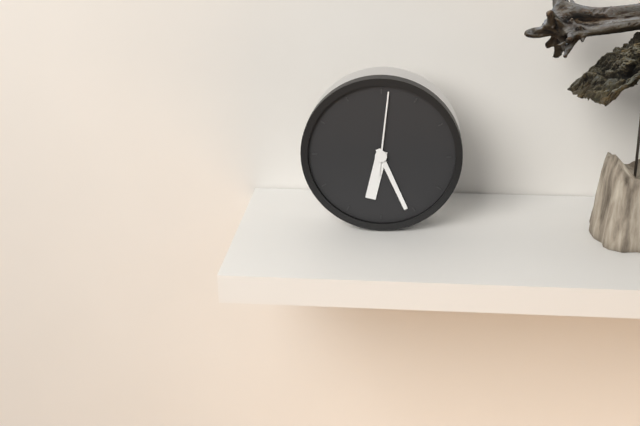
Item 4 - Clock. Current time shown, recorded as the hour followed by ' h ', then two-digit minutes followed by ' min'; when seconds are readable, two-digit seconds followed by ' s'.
6 h 26 min 01 s
